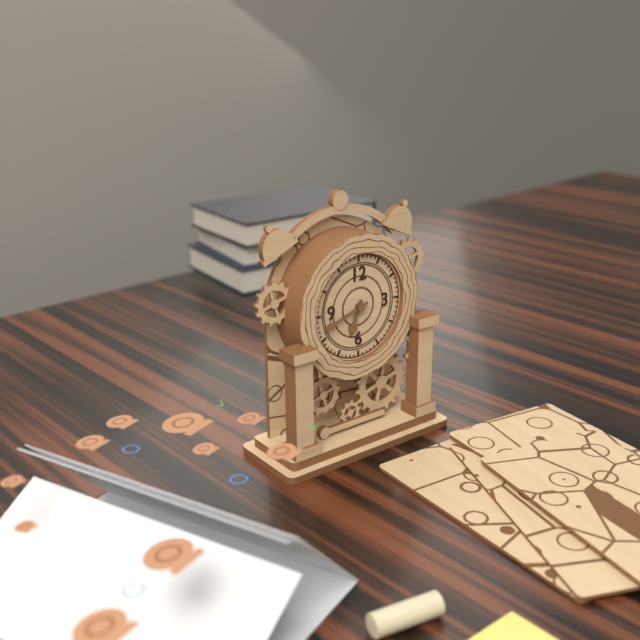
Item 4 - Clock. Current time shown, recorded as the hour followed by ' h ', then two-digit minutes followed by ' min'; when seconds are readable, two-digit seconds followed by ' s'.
6 h 42 min
